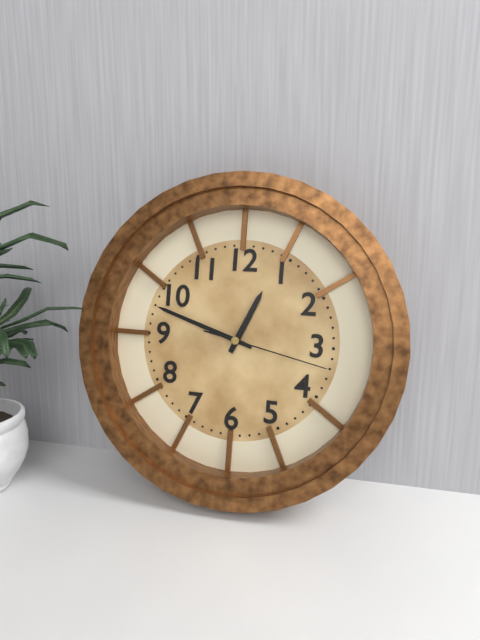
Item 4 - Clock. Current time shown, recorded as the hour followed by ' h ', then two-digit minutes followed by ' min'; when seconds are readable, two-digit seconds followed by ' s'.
12 h 48 min 17 s
